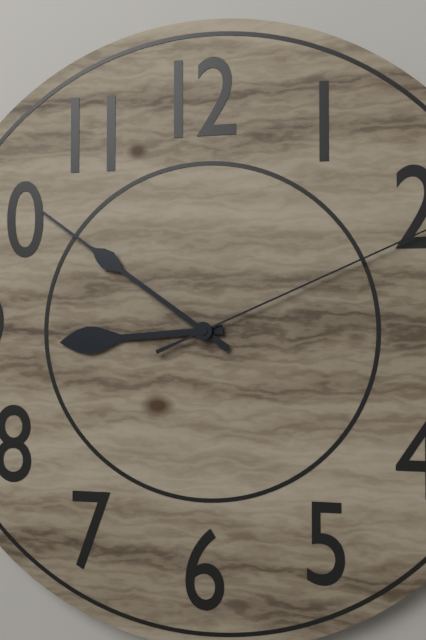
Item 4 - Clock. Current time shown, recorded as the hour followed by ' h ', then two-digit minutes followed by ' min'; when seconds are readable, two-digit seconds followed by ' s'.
8 h 51 min
